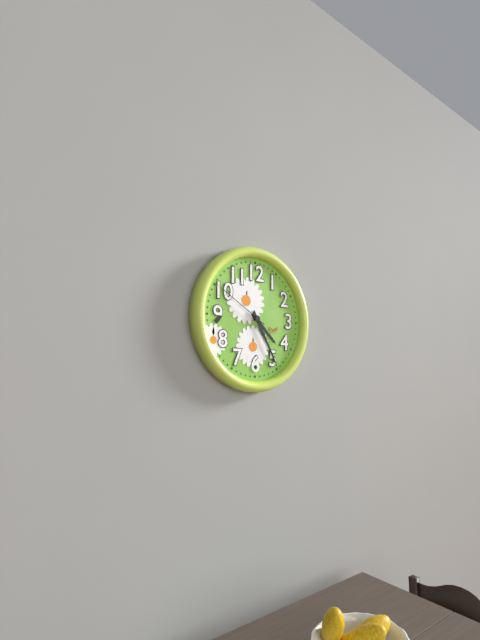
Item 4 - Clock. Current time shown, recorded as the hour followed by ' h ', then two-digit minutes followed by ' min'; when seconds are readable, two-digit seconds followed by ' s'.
4 h 25 min 50 s
